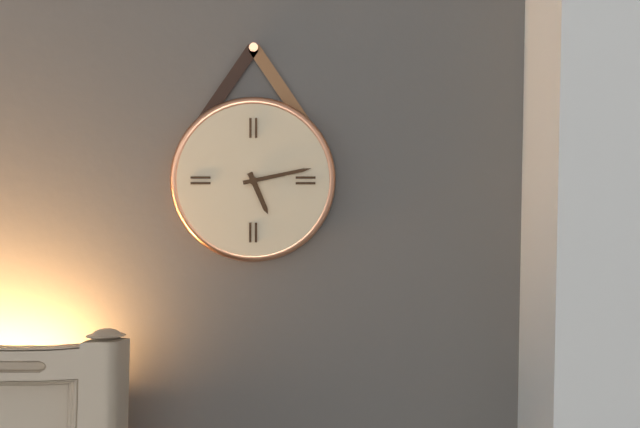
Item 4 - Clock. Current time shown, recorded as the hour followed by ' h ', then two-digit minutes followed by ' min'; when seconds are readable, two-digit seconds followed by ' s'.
5 h 13 min
